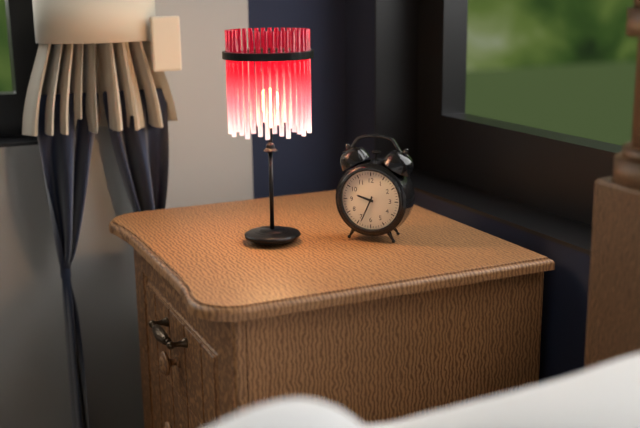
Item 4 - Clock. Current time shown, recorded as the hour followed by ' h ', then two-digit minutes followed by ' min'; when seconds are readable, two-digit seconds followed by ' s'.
9 h 34 min
